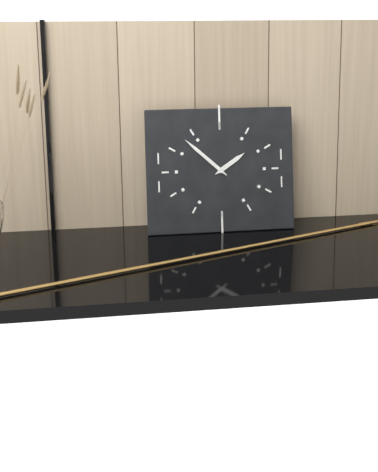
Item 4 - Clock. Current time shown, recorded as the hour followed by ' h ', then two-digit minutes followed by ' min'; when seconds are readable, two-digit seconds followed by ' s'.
1 h 52 min
